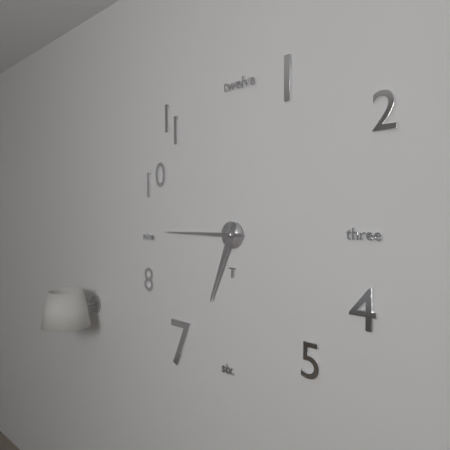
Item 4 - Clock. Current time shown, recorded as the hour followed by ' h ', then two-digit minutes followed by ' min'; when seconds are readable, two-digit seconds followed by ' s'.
6 h 45 min
